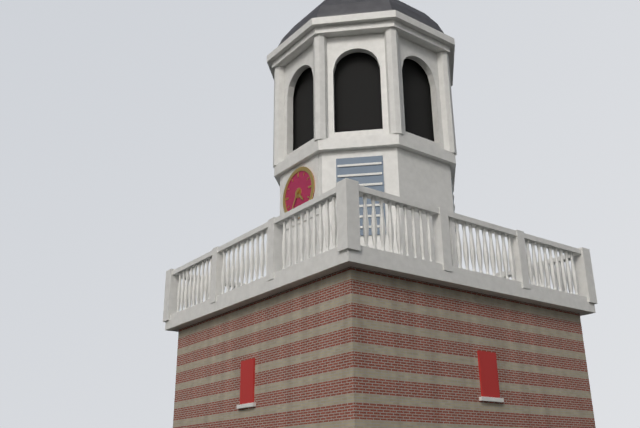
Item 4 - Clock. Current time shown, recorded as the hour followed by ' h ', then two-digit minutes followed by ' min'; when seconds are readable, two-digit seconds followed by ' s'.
4 h 35 min
